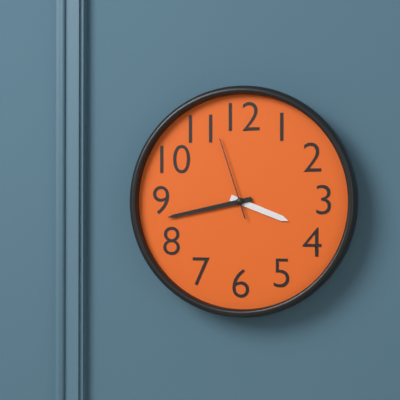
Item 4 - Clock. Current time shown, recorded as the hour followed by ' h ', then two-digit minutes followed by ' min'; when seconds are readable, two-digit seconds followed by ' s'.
3 h 43 min 57 s
